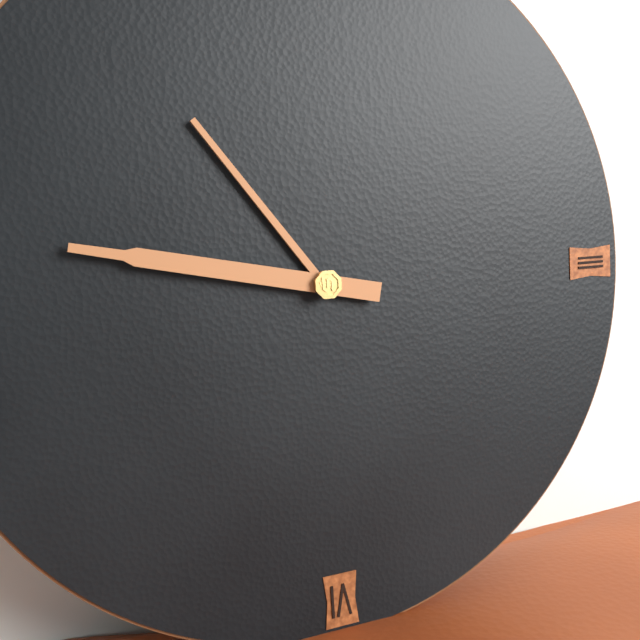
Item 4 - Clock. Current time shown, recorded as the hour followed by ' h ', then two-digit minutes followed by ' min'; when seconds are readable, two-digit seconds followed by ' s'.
10 h 47 min
